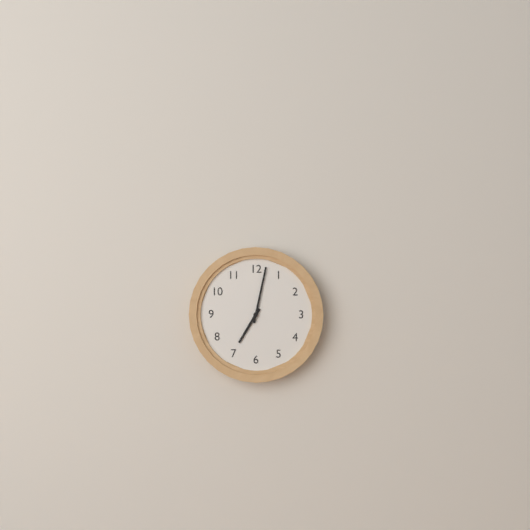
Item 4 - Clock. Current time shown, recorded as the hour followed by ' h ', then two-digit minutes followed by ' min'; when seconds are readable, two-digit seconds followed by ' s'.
7 h 02 min
